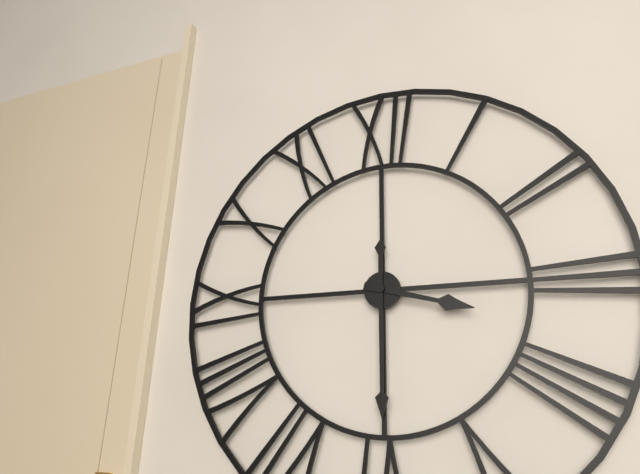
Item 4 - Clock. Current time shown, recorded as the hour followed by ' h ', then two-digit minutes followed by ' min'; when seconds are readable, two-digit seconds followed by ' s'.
3 h 30 min
